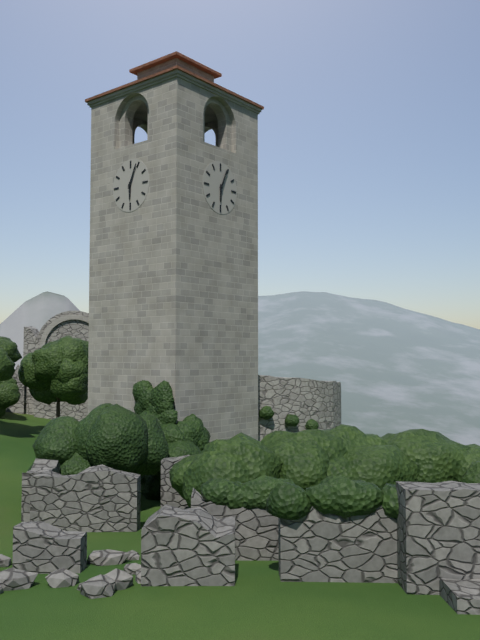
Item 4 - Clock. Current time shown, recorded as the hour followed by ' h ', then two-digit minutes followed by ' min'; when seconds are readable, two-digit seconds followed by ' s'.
6 h 04 min
